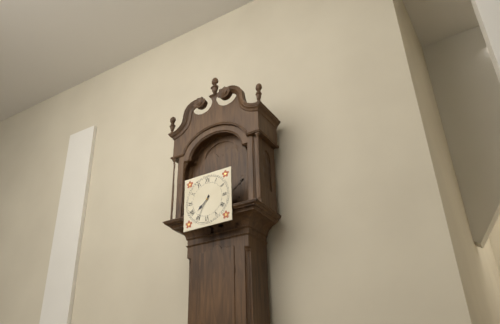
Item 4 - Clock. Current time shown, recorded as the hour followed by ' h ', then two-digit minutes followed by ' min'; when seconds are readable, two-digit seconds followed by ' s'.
7 h 35 min
